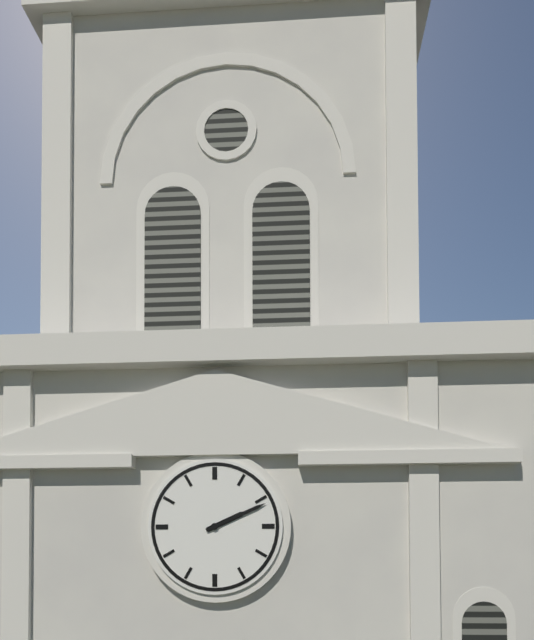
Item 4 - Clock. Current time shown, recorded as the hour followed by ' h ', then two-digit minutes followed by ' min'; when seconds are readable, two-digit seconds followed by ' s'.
2 h 11 min
